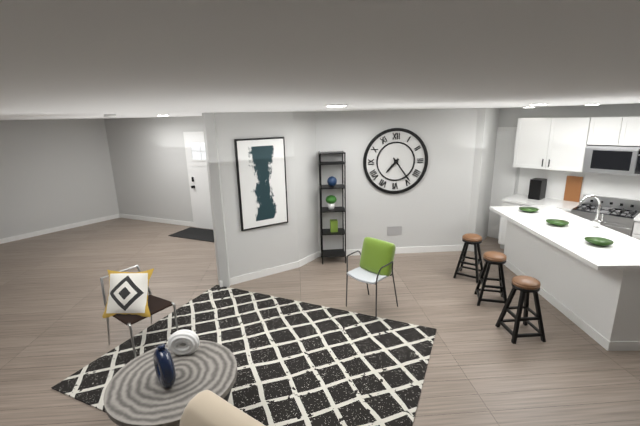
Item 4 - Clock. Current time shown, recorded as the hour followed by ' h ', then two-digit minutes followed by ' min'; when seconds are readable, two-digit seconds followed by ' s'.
7 h 24 min
